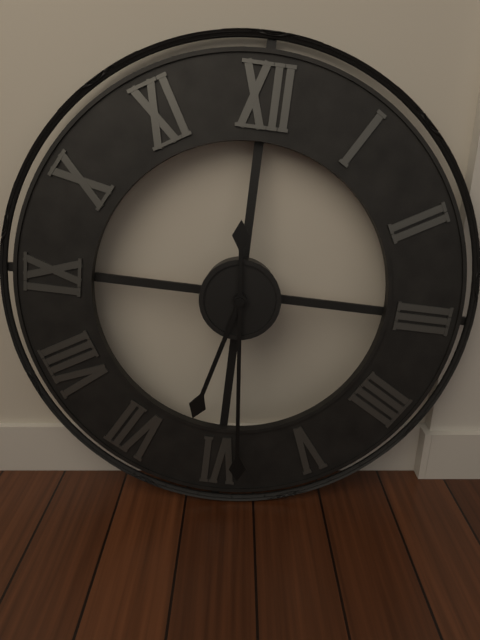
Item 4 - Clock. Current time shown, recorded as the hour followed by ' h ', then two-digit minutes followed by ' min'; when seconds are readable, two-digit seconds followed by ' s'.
6 h 29 min
